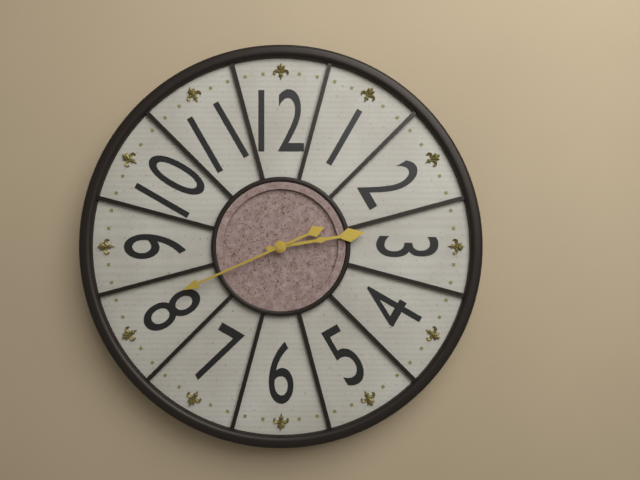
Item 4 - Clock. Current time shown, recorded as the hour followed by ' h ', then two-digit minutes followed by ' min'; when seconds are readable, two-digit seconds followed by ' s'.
2 h 41 min
